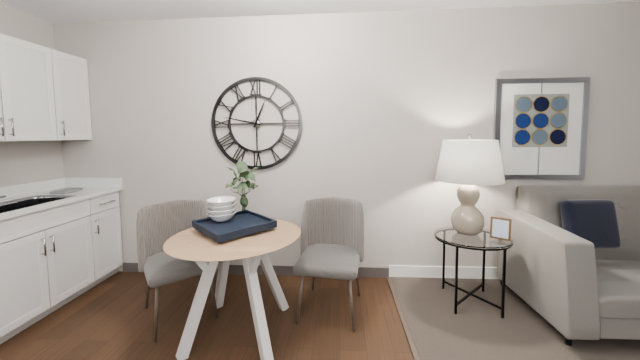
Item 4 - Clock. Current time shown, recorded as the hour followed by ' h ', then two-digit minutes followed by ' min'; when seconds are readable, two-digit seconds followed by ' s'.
12 h 47 min
